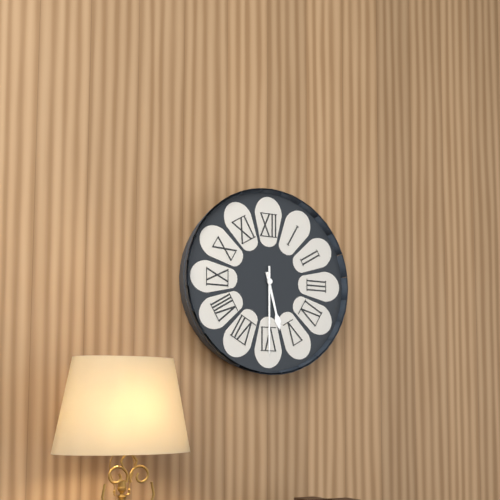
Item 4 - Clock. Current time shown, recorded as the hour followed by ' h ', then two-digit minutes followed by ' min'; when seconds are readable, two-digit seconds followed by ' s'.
5 h 30 min
